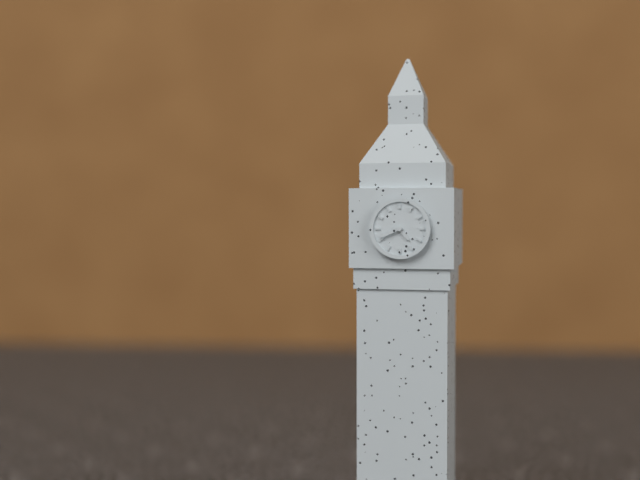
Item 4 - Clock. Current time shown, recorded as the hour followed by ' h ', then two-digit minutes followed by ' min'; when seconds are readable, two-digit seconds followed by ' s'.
4 h 41 min
